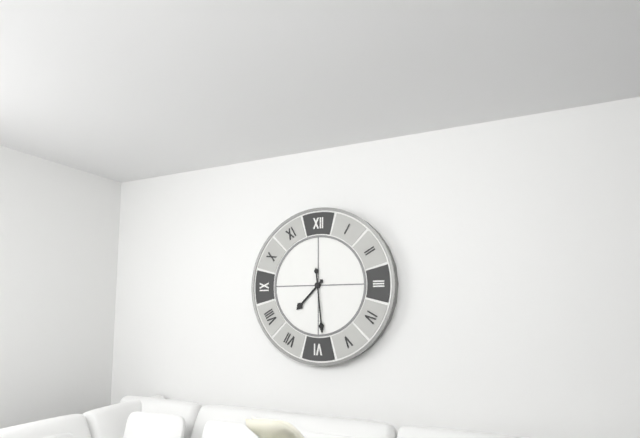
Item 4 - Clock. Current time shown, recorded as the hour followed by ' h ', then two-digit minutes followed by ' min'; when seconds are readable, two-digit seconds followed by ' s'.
7 h 29 min
